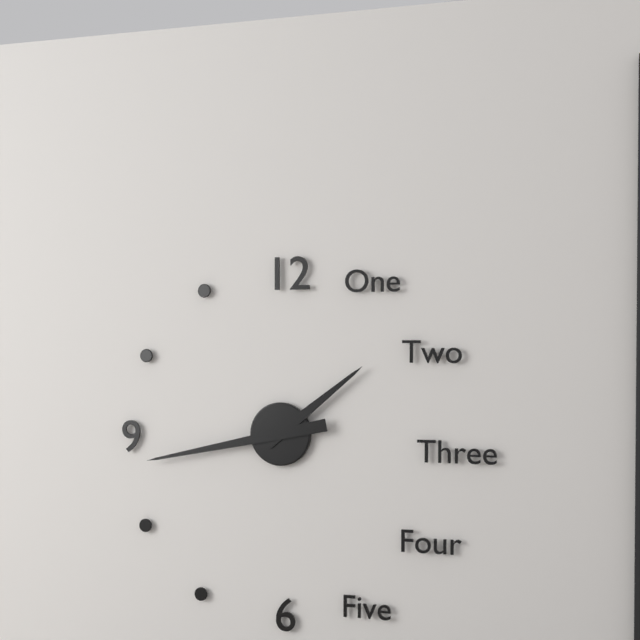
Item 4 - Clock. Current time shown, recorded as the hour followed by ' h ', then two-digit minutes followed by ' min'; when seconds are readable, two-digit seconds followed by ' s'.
1 h 43 min
